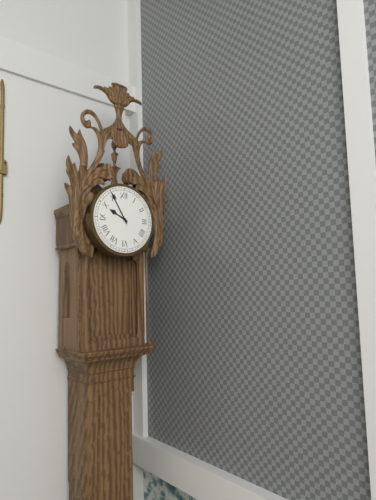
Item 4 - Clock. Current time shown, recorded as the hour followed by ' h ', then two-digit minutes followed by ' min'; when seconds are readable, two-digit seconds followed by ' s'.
9 h 55 min
